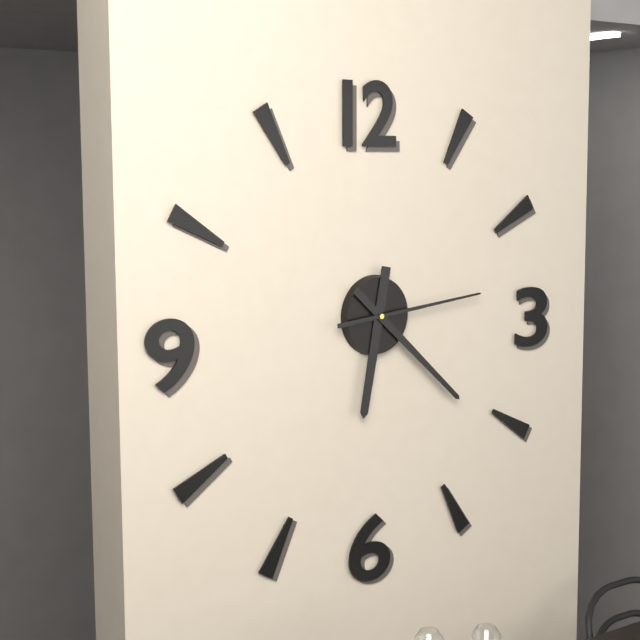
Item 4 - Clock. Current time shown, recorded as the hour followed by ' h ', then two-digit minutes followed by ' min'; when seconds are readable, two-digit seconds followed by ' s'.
6 h 22 min 14 s
